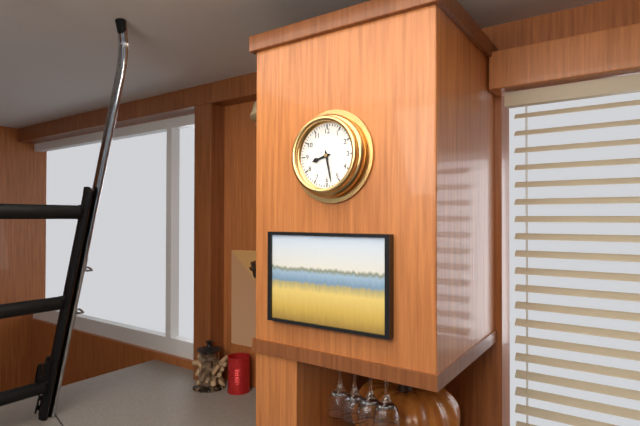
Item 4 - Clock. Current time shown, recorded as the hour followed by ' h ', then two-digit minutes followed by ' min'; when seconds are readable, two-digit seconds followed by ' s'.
8 h 28 min
